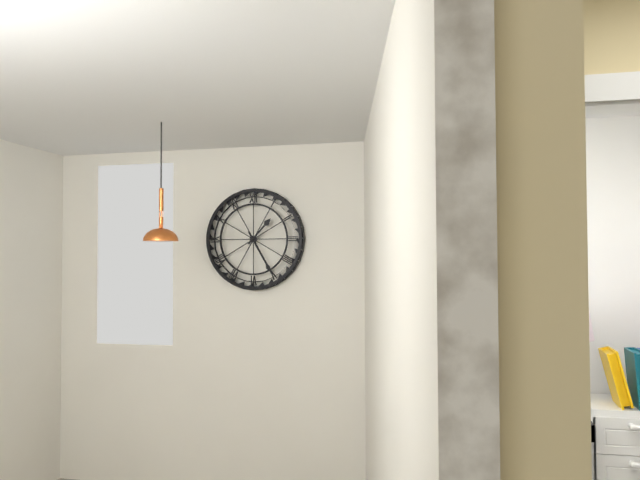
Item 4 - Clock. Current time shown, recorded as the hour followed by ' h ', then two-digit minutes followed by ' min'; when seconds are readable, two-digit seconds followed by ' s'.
1 h 25 min
